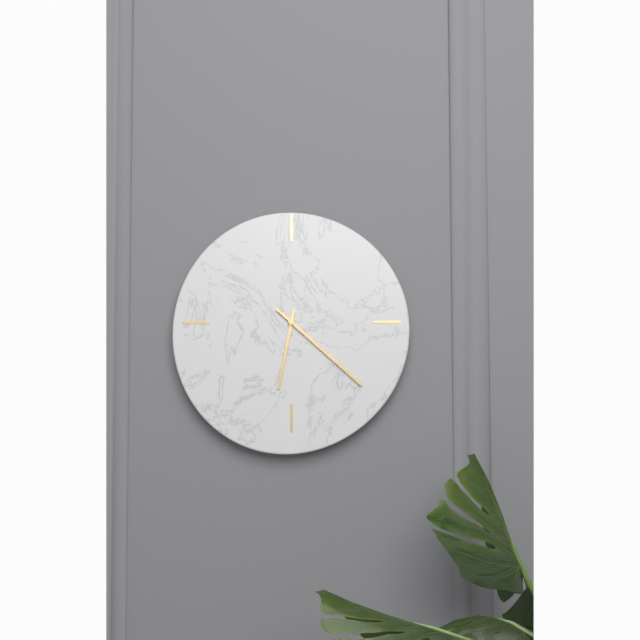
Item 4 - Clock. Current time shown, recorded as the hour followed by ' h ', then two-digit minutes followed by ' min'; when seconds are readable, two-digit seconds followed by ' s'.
6 h 22 min
